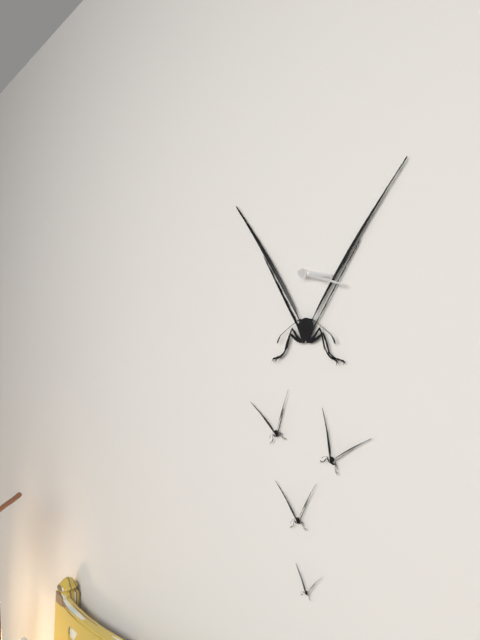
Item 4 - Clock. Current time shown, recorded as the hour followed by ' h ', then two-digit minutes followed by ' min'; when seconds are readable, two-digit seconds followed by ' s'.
3 h 18 min
